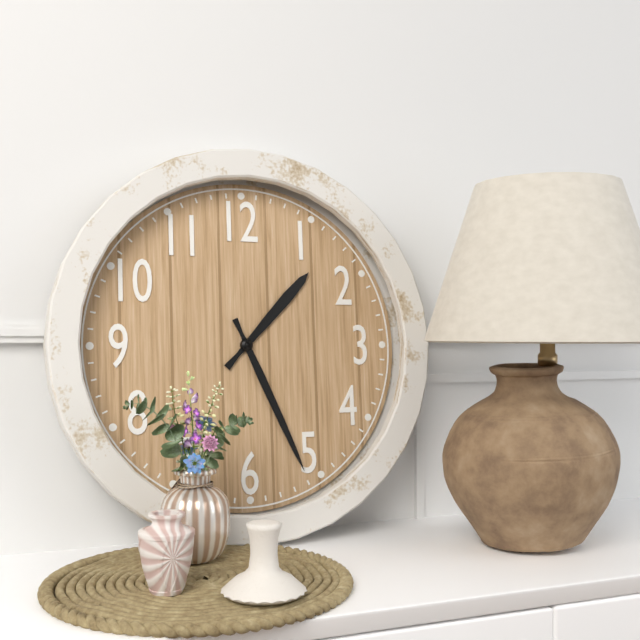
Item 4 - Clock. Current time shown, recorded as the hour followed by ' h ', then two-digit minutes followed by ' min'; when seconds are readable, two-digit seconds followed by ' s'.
1 h 26 min
